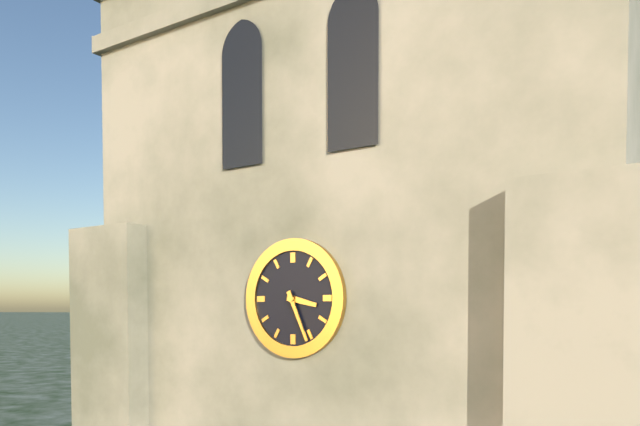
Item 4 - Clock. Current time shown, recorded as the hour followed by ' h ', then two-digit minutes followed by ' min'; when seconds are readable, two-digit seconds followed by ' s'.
3 h 26 min
